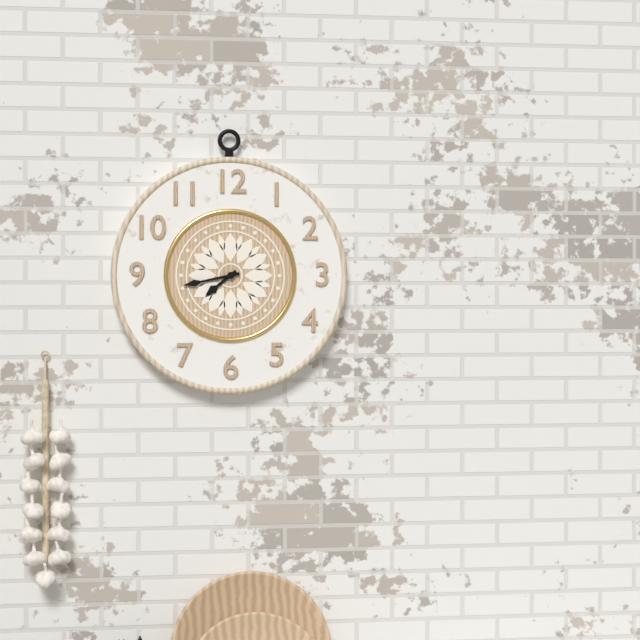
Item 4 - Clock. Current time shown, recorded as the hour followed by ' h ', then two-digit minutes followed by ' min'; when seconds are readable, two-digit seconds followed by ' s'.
7 h 43 min
